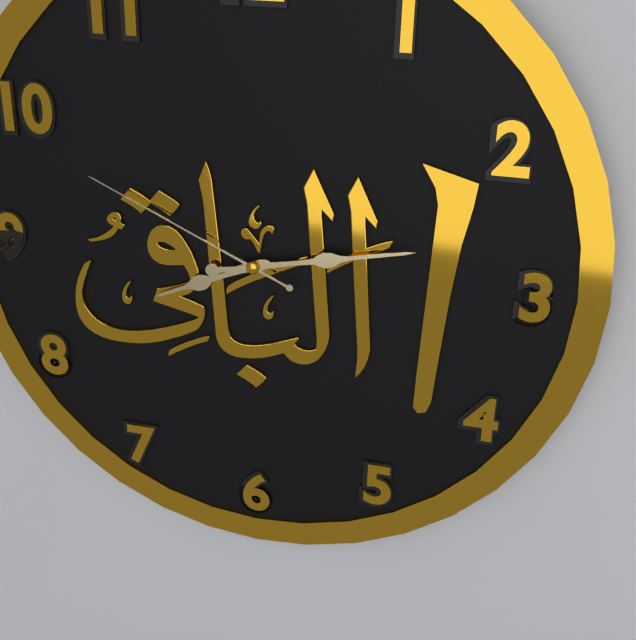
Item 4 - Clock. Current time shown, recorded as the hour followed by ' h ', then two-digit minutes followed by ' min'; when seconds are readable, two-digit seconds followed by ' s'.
8 h 13 min 49 s
